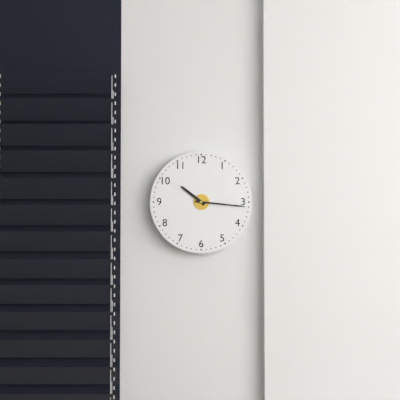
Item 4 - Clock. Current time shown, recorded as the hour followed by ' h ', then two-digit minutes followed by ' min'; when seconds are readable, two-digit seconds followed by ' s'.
10 h 16 min
